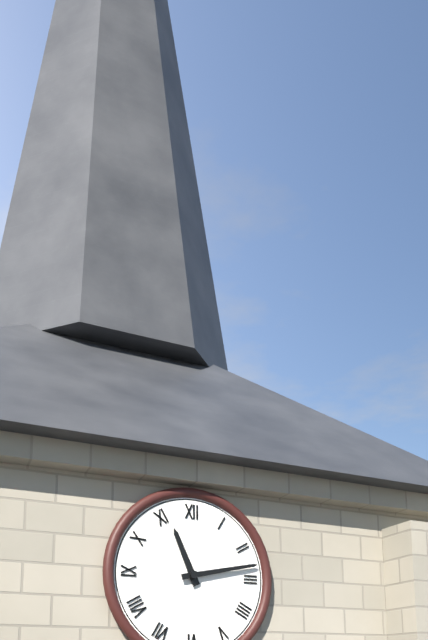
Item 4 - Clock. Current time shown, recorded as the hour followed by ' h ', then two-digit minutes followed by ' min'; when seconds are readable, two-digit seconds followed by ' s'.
11 h 13 min
